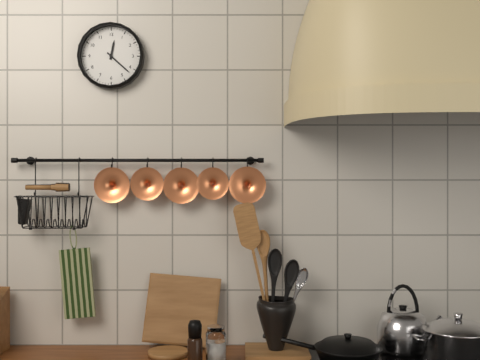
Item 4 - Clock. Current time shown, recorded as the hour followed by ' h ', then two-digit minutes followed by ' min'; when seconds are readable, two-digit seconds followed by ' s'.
12 h 22 min
